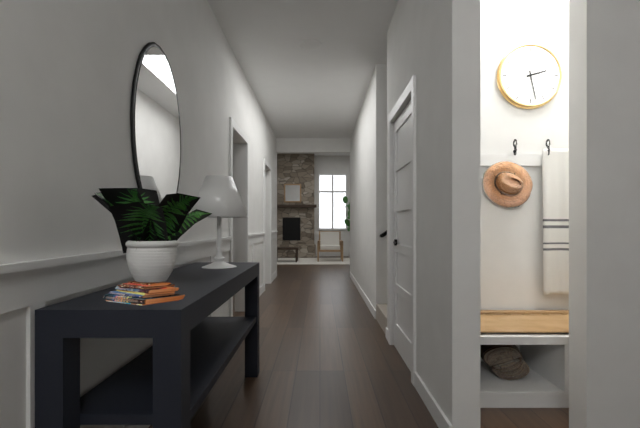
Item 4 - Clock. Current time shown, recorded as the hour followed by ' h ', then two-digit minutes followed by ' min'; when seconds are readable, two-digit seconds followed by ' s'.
2 h 28 min
